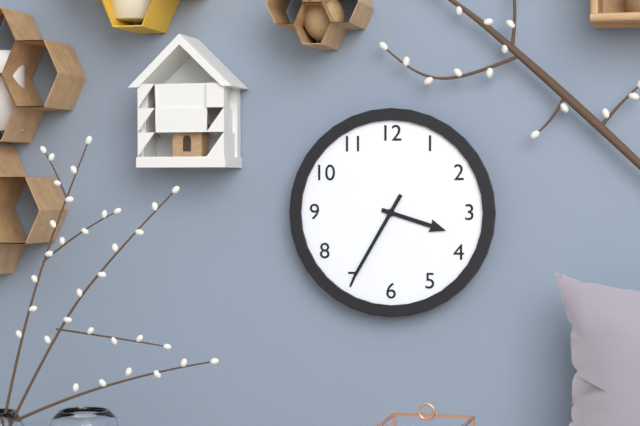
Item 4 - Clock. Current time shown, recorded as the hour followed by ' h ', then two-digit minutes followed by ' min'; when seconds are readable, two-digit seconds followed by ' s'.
3 h 35 min
